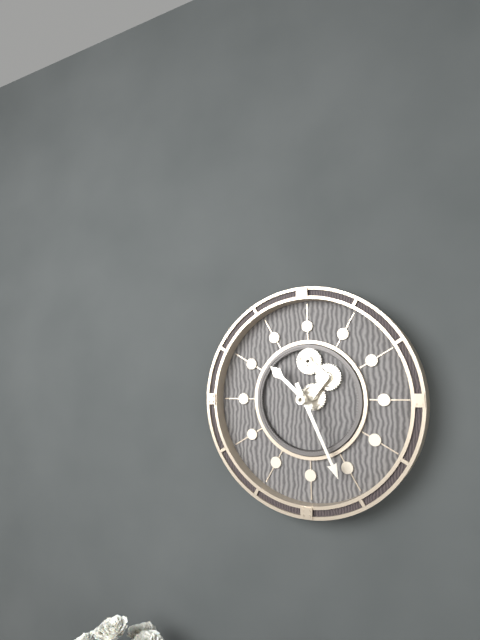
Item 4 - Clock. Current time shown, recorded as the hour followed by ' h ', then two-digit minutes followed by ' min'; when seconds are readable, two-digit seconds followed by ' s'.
10 h 26 min
